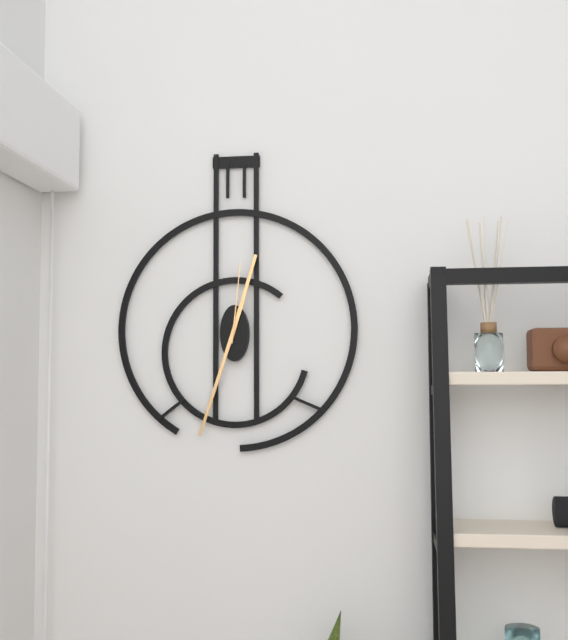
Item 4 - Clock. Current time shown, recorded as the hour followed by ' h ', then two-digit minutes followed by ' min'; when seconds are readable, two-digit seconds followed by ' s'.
12 h 33 min 01 s
